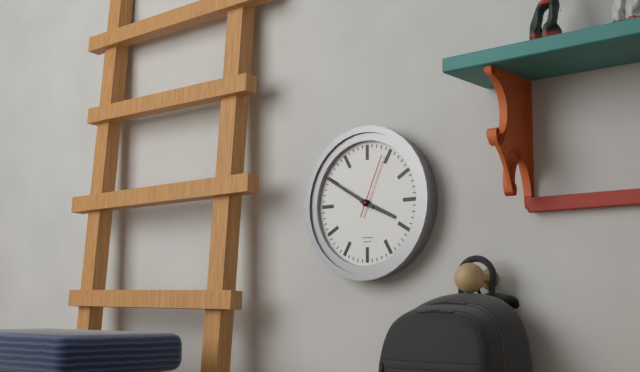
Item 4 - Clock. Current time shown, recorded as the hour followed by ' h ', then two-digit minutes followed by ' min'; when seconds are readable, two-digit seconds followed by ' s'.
3 h 50 min 04 s
